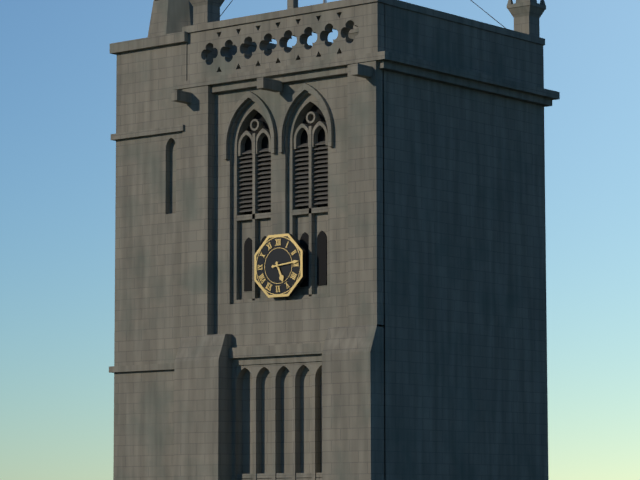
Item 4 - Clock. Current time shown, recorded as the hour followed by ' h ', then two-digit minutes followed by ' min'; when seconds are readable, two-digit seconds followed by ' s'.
5 h 14 min
